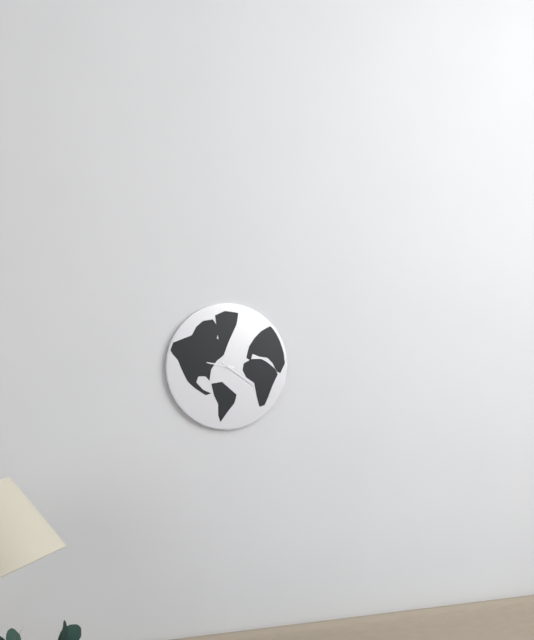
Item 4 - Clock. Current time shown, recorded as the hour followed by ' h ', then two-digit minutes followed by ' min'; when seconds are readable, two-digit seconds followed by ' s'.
9 h 21 min
